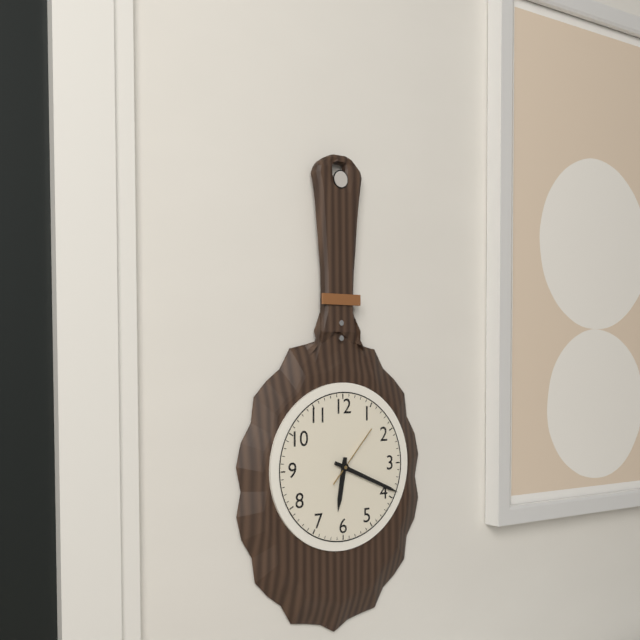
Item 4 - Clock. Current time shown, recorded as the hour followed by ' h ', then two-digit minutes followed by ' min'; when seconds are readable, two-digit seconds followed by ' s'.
6 h 19 min 07 s
